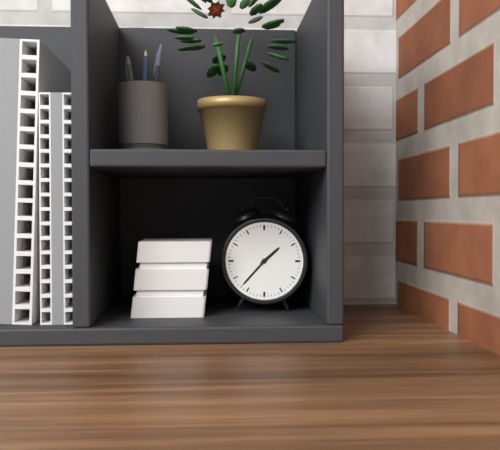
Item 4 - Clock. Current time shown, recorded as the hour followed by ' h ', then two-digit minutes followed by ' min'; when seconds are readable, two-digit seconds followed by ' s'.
1 h 37 min
